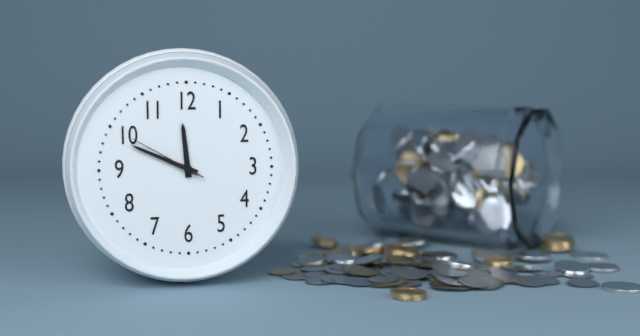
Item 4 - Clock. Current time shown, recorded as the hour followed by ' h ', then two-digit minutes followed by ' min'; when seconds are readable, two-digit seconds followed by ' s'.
11 h 49 min 50 s
